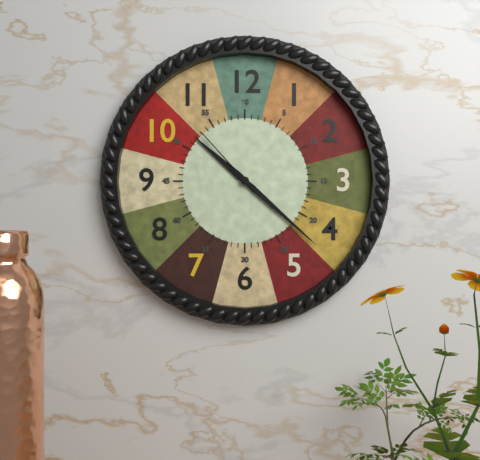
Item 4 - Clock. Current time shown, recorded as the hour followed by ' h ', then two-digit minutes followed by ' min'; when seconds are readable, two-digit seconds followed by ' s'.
10 h 22 min 53 s
